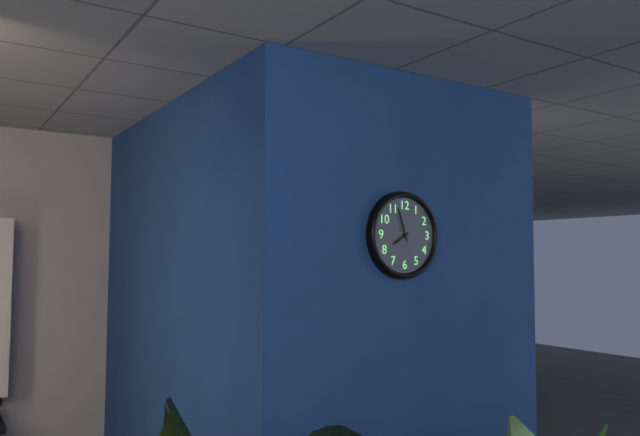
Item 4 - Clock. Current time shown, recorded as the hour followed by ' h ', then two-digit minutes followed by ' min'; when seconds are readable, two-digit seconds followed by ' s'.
7 h 57 min
